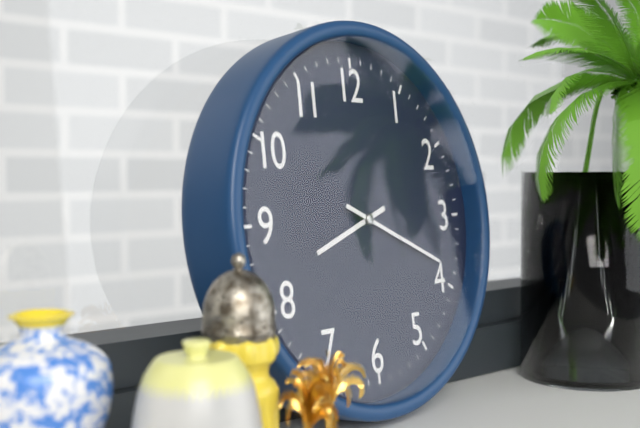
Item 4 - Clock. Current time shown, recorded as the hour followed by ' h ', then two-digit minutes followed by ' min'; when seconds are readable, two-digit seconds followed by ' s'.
8 h 19 min
